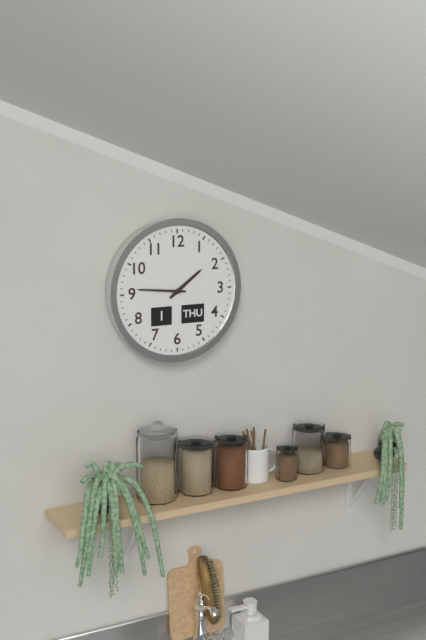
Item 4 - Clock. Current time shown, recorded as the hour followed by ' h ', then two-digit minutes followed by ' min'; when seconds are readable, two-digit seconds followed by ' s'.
1 h 46 min
